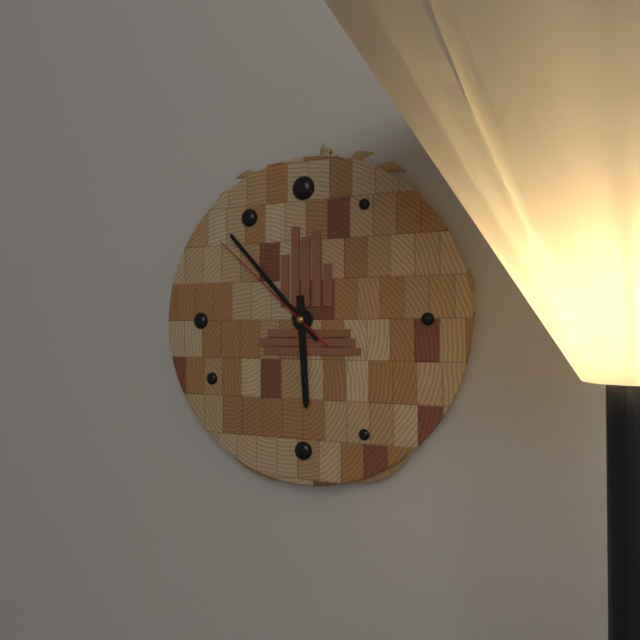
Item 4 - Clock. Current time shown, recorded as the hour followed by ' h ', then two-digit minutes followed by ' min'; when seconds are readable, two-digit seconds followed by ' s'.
5 h 53 min 52 s
